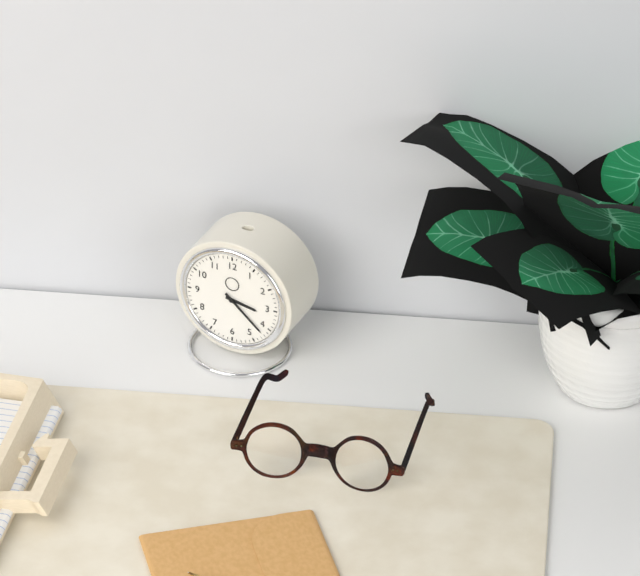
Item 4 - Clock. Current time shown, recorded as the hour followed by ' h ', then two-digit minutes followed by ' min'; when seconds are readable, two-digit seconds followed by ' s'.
3 h 22 min
